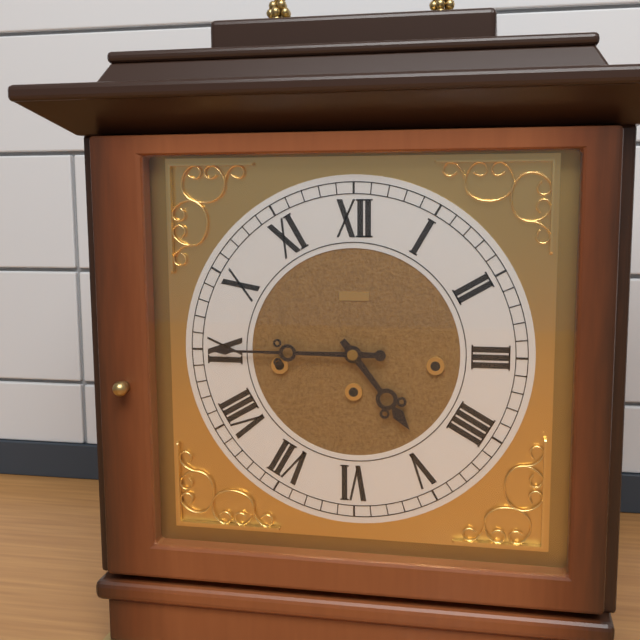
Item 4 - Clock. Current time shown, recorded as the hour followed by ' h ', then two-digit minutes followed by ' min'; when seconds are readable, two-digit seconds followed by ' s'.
4 h 45 min
